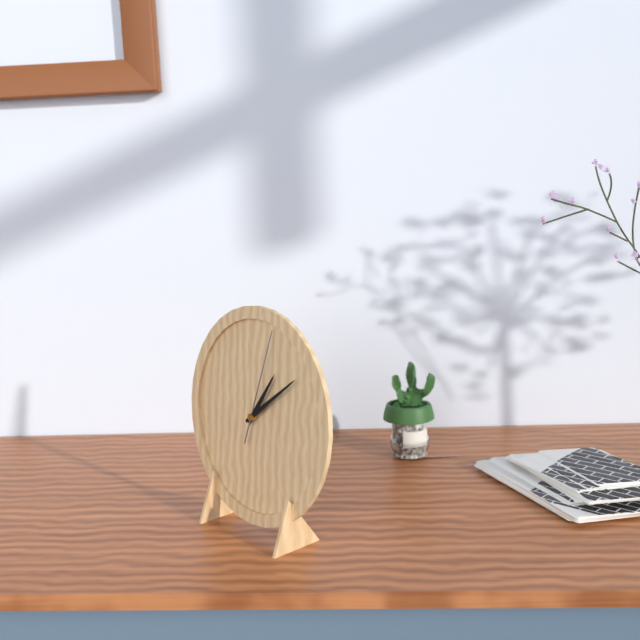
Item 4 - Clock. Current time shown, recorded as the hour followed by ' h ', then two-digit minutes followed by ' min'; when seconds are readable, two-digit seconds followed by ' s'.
1 h 09 min 03 s
